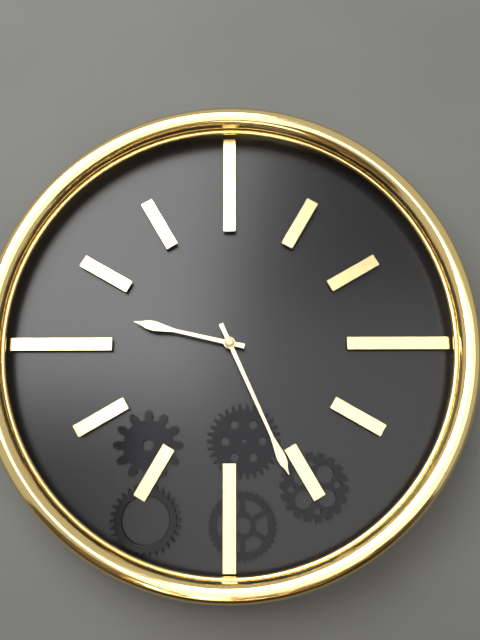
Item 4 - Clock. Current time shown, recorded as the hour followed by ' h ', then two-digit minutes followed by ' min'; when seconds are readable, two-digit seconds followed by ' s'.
9 h 26 min
